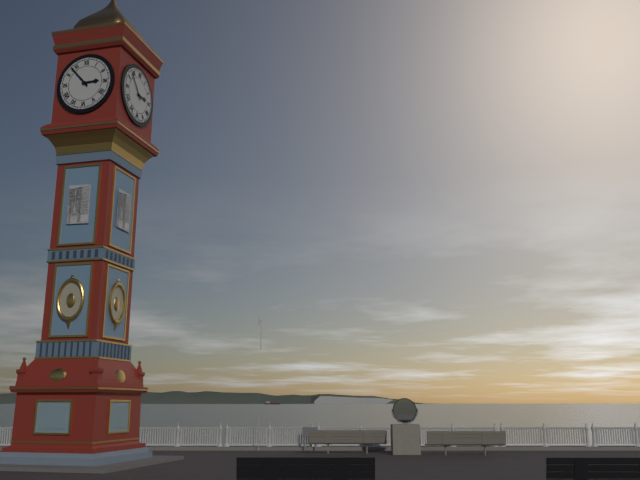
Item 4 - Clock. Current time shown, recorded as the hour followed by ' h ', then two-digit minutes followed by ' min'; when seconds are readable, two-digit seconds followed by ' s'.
2 h 53 min
